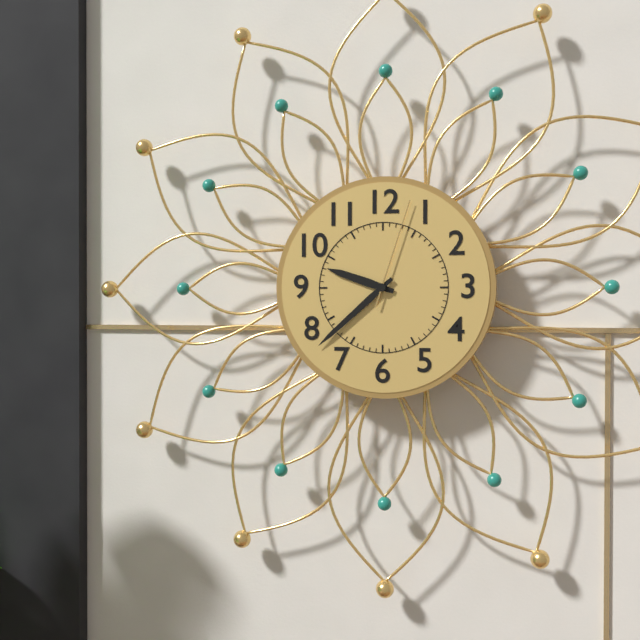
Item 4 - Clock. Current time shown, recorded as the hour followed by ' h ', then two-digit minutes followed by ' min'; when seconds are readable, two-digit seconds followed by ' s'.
9 h 38 min 03 s
